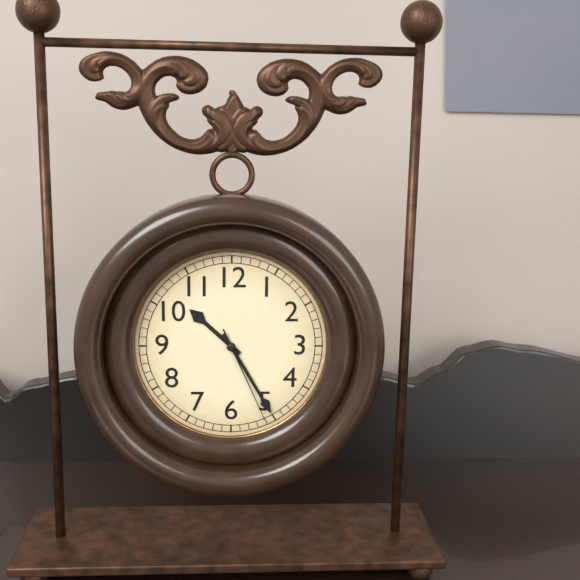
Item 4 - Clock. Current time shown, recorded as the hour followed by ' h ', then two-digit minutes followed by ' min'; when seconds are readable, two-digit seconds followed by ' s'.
10 h 25 min 26 s
